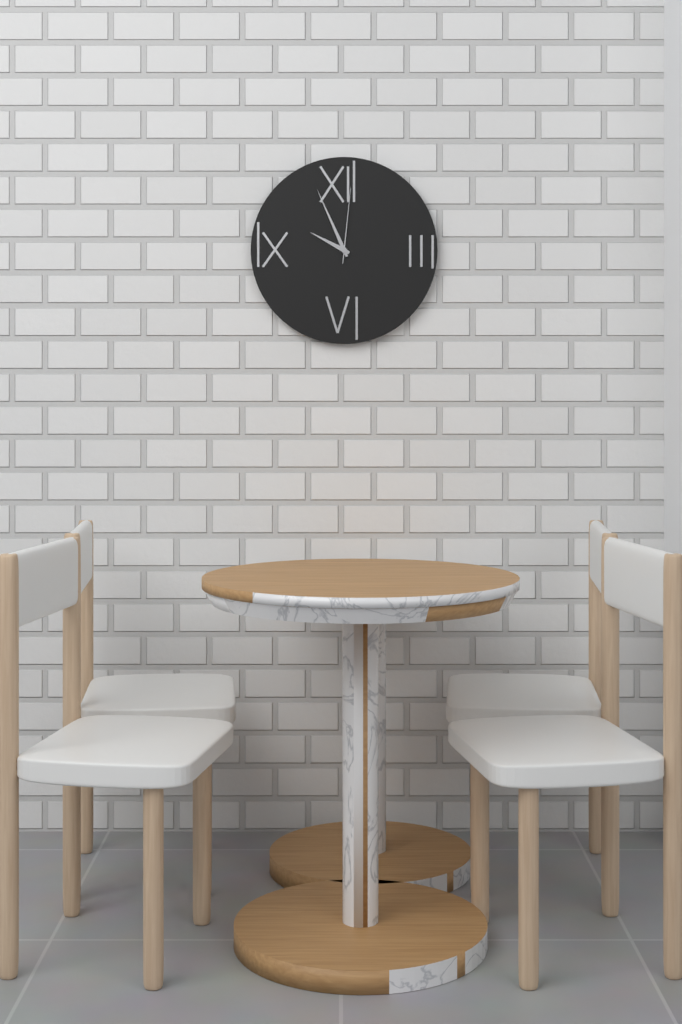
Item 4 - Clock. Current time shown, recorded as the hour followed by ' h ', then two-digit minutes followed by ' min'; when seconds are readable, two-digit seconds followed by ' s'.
9 h 56 min 01 s
